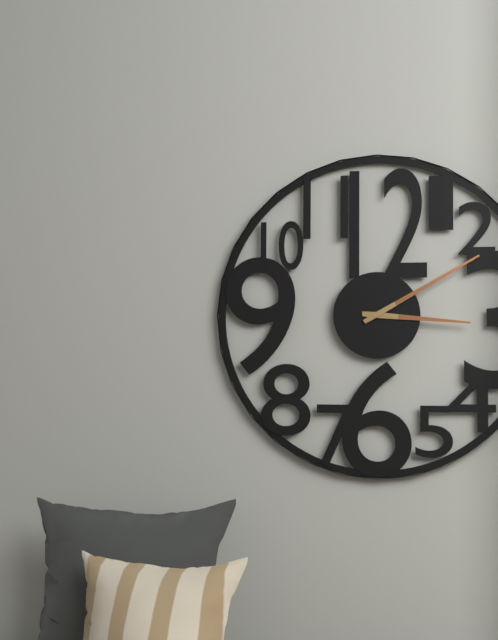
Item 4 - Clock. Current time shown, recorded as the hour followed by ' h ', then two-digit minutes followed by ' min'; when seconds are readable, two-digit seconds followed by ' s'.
3 h 10 min
